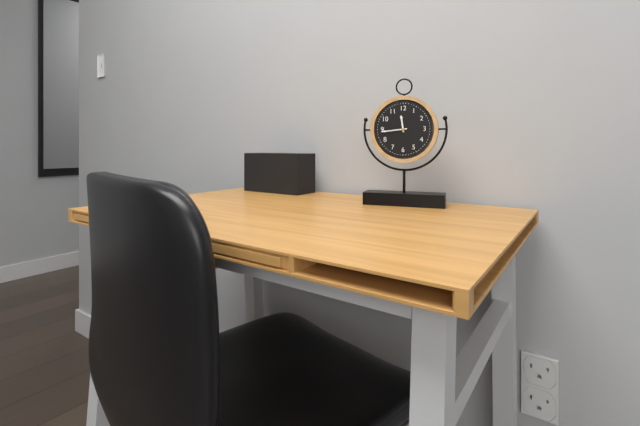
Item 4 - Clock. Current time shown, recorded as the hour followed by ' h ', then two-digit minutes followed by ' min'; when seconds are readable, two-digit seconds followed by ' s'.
11 h 44 min
